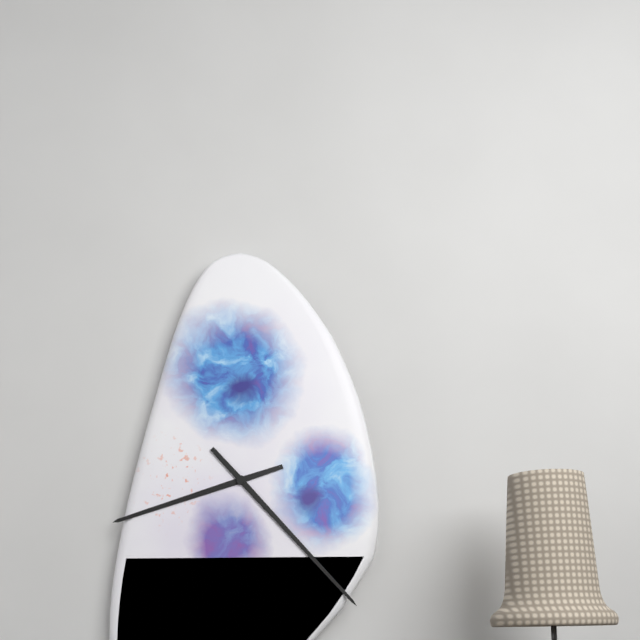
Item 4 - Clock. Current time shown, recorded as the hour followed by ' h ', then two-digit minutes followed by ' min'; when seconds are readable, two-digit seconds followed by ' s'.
8 h 23 min
